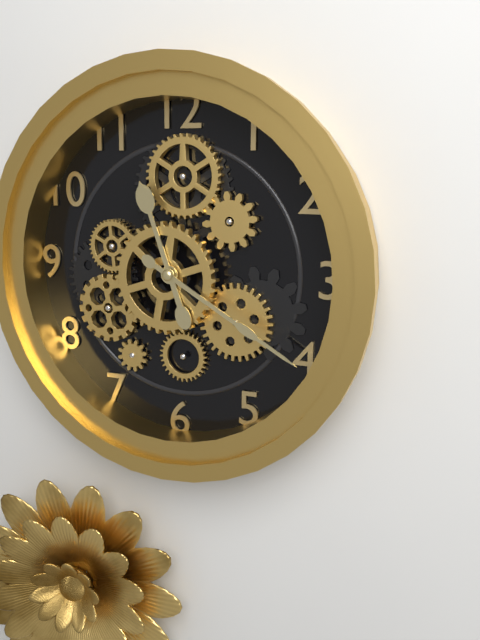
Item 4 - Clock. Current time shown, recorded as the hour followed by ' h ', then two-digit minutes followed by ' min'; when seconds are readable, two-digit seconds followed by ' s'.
11 h 20 min
